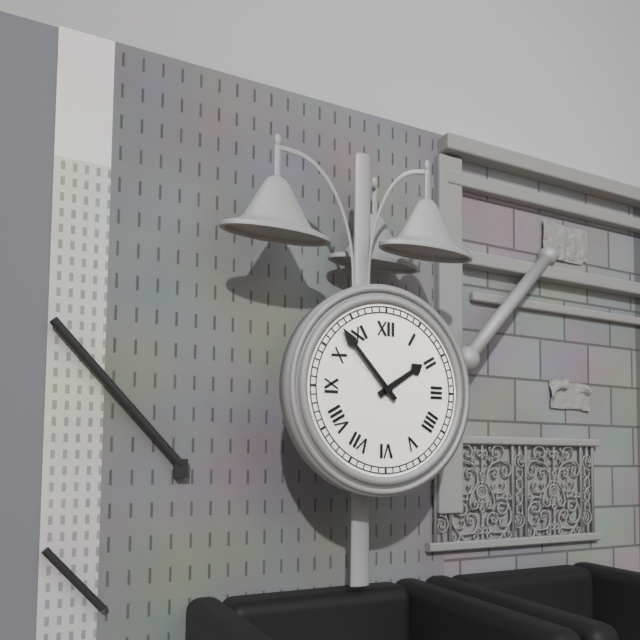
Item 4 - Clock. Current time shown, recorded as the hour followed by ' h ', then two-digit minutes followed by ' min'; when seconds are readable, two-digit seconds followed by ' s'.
1 h 53 min
